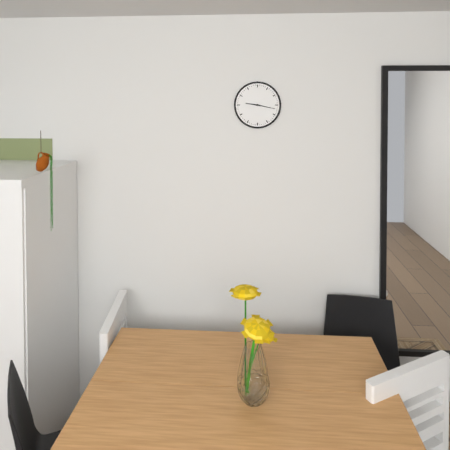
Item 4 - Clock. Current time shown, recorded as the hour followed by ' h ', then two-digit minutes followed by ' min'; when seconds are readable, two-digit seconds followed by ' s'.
9 h 17 min
